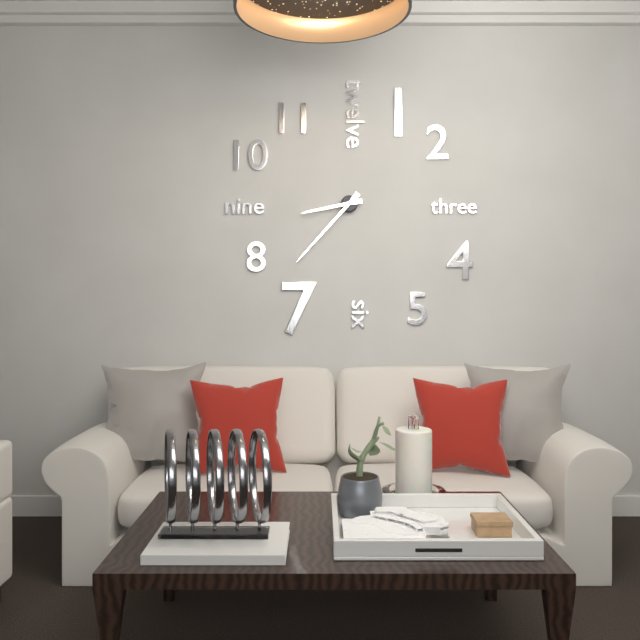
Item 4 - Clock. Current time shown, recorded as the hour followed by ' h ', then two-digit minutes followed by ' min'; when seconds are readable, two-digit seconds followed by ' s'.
8 h 37 min
